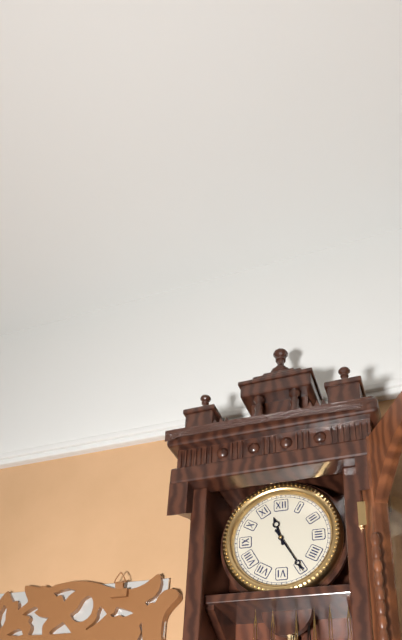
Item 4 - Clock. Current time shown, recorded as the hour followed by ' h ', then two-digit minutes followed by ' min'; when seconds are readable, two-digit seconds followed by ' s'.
11 h 25 min
